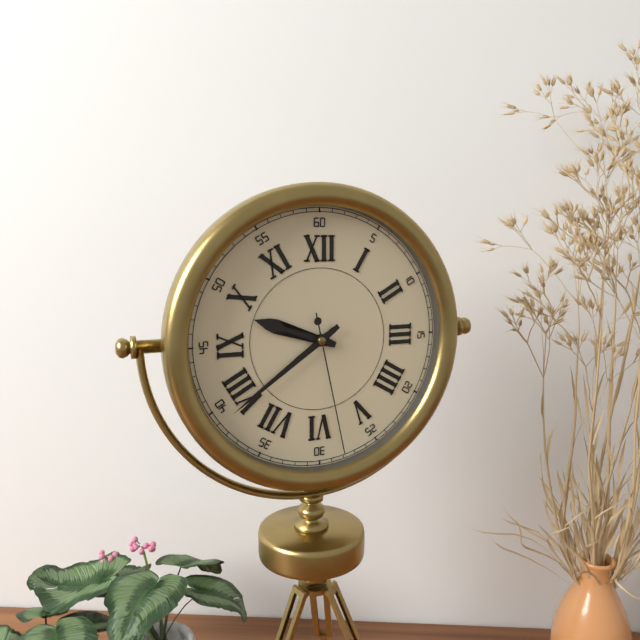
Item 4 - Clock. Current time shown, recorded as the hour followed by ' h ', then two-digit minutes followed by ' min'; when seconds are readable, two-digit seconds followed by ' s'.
9 h 39 min 28 s
